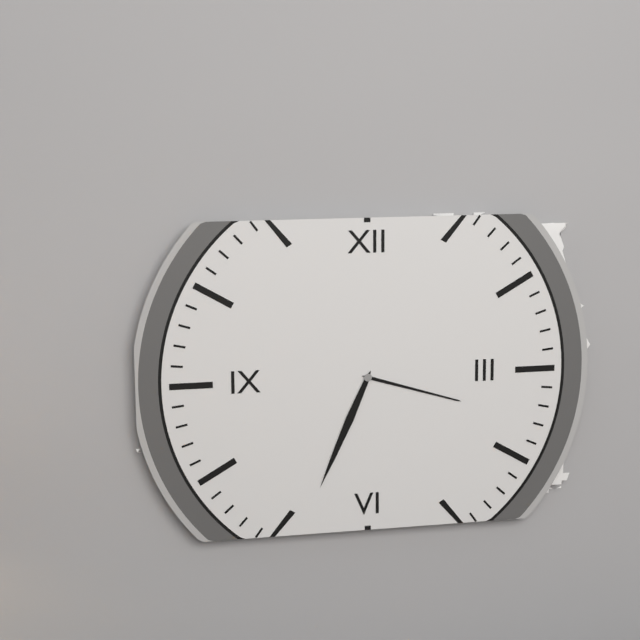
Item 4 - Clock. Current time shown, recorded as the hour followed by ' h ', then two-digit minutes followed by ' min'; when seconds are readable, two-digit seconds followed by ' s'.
3 h 34 min
